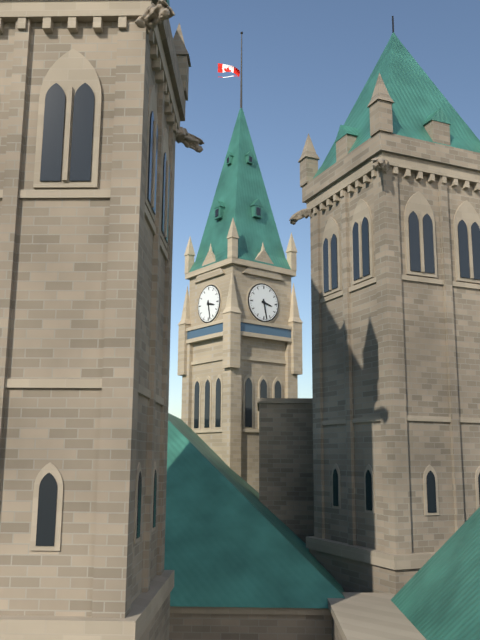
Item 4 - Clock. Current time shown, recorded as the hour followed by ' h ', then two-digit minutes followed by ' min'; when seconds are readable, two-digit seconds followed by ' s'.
3 h 28 min
